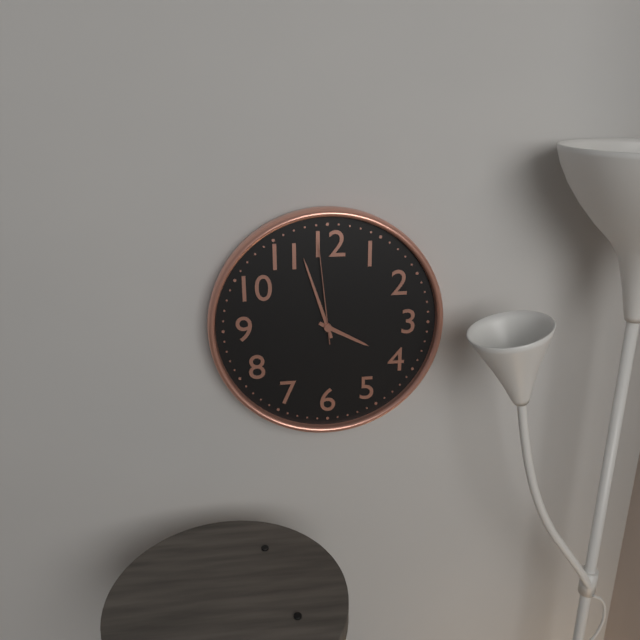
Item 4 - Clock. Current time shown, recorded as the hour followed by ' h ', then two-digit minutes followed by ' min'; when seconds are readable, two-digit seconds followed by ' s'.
3 h 57 min 59 s
